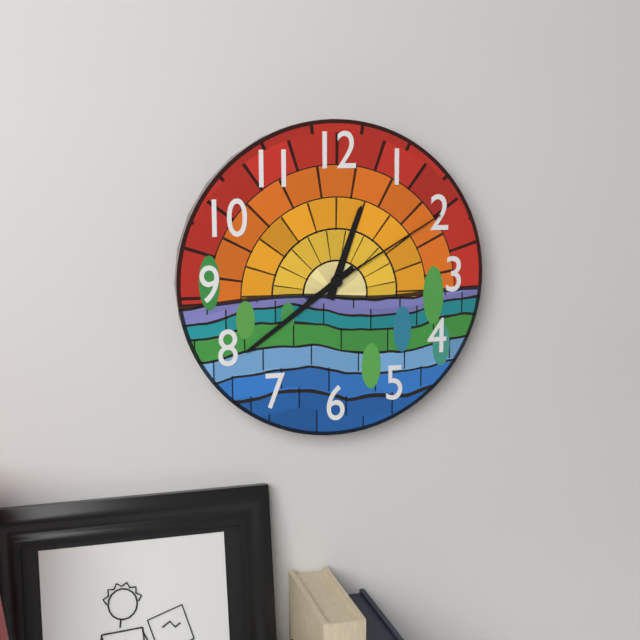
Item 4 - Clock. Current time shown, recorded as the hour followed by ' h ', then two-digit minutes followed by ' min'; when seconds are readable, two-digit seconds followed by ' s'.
12 h 39 min 10 s
